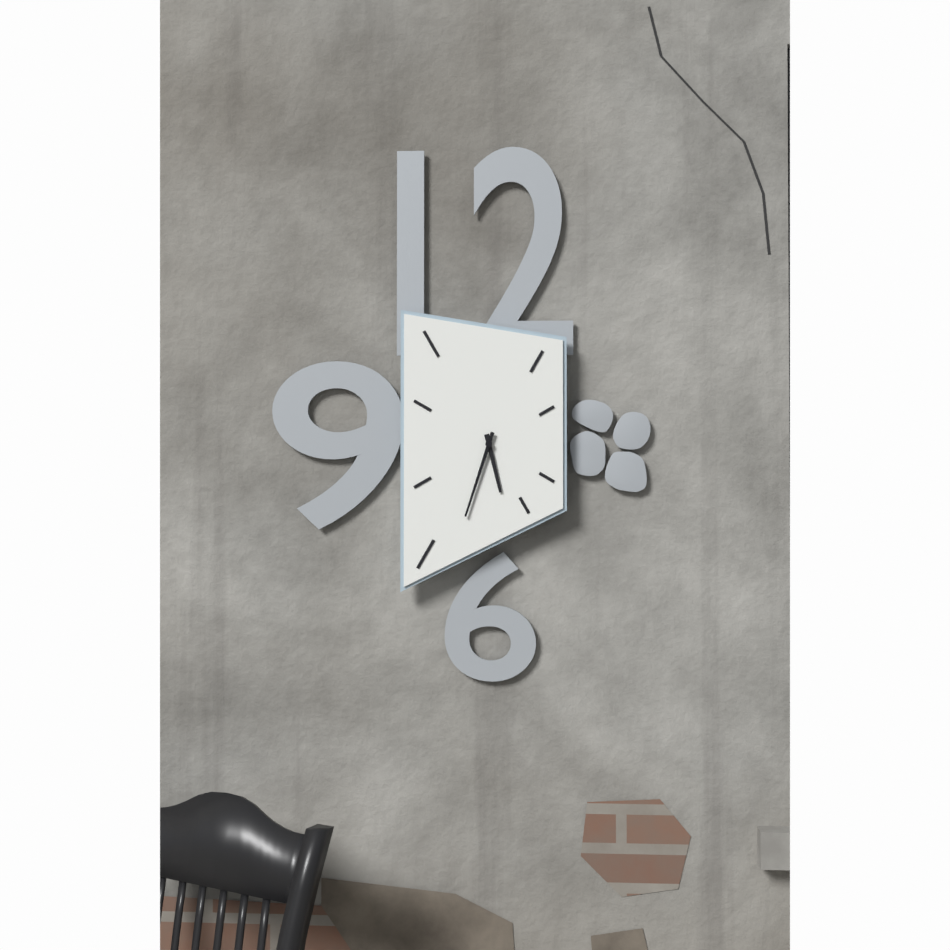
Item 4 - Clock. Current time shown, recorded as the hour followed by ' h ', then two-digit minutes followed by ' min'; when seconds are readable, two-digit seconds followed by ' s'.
5 h 33 min
